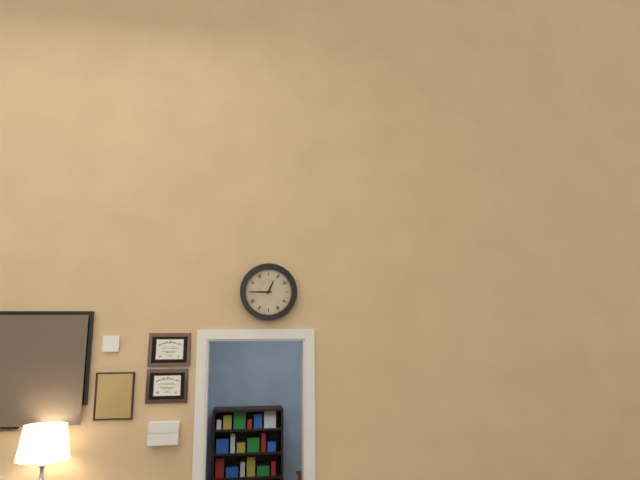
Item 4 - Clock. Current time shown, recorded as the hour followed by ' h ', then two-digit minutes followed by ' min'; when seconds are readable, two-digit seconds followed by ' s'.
12 h 45 min
